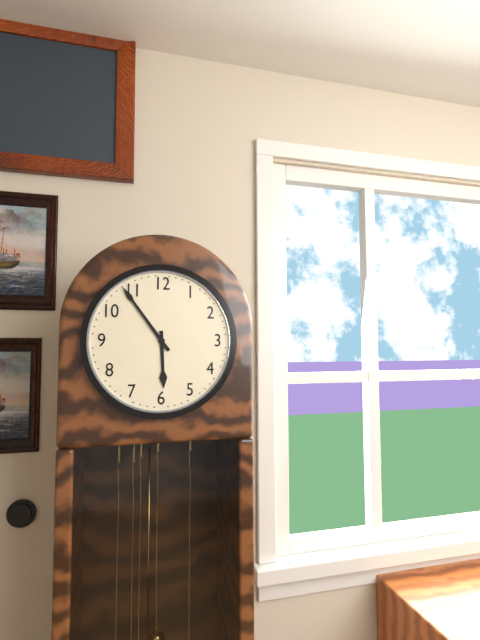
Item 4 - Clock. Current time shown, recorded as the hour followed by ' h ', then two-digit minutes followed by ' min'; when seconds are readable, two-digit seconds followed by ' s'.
5 h 54 min
